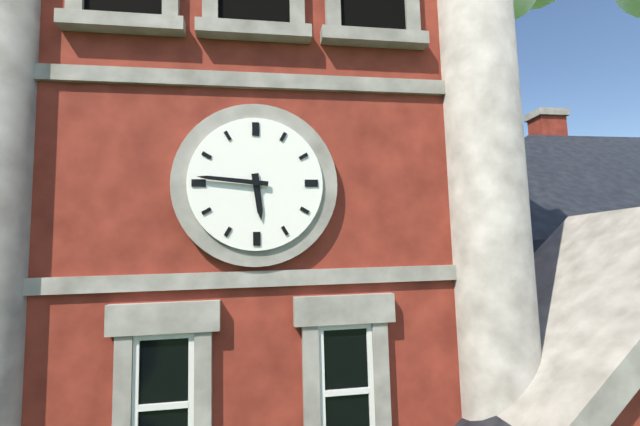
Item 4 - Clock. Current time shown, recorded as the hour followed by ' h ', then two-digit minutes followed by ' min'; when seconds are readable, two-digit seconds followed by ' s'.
5 h 46 min
